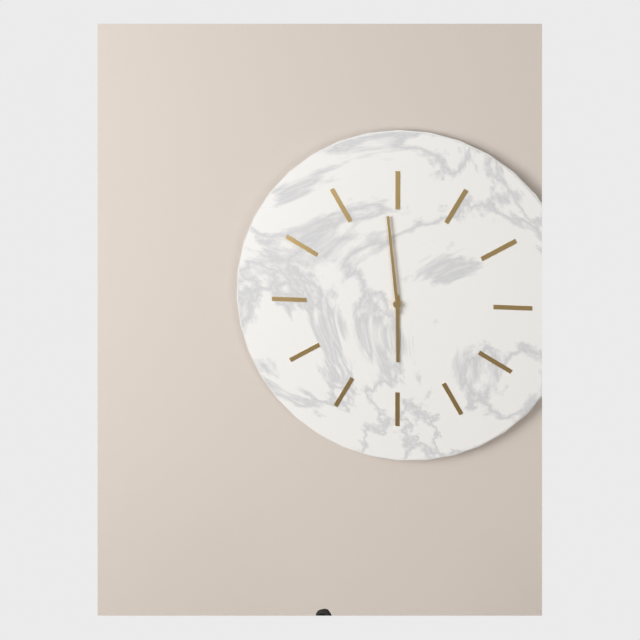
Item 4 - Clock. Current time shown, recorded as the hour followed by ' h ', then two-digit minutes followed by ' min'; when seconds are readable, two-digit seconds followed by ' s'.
5 h 59 min
